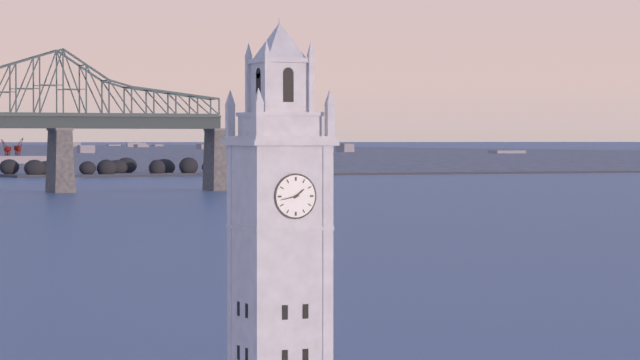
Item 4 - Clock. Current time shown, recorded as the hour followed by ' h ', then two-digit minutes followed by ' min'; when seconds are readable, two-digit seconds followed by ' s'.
1 h 43 min
